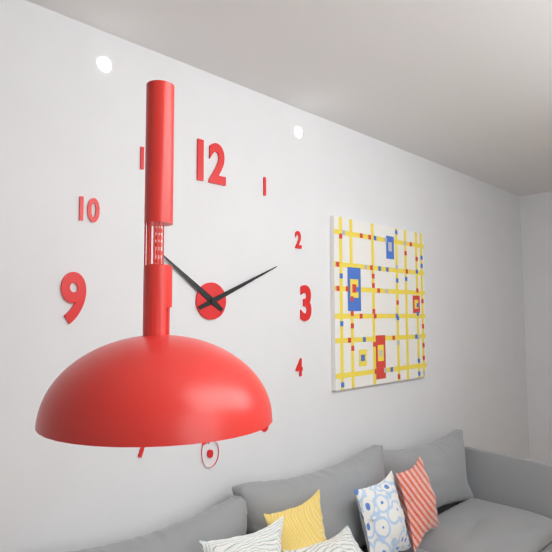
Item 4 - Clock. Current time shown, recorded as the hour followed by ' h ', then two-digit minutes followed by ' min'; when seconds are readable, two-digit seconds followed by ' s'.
10 h 11 min
